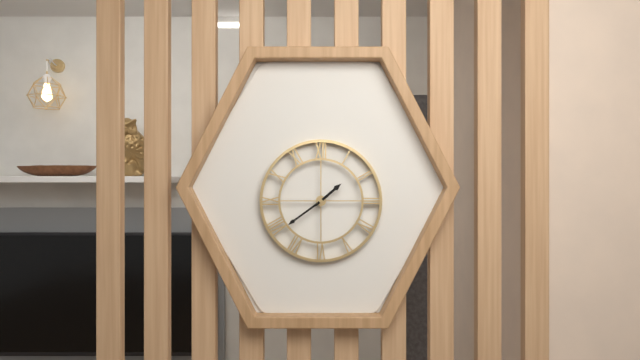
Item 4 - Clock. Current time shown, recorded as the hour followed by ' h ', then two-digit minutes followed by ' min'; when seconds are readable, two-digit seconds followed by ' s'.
1 h 39 min
